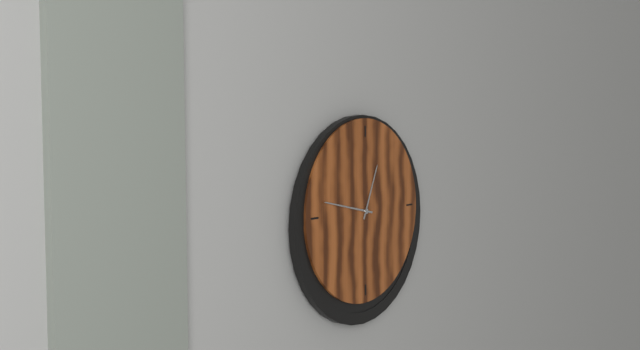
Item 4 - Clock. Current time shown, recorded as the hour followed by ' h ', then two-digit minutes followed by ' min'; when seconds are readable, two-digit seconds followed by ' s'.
12 h 47 min
